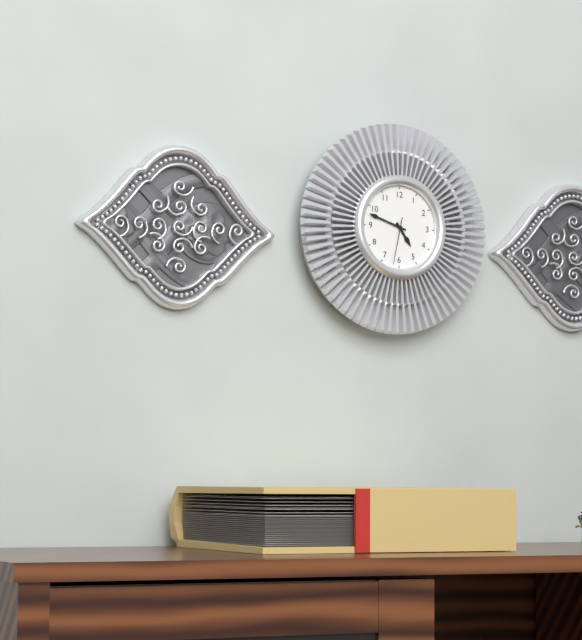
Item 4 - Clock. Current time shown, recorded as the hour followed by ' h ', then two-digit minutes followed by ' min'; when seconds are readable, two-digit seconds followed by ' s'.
4 h 48 min
